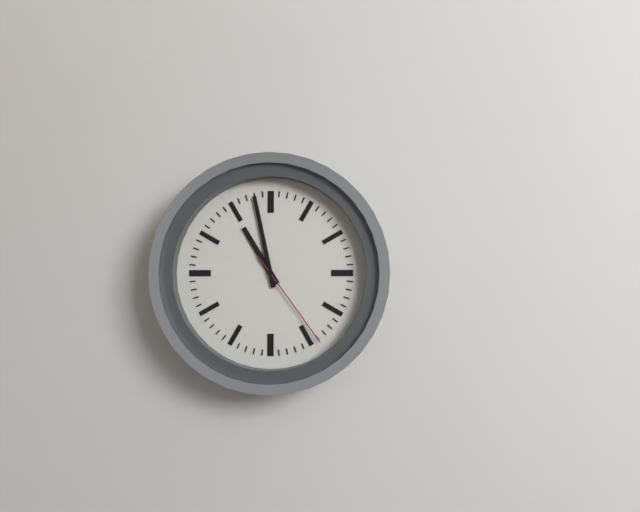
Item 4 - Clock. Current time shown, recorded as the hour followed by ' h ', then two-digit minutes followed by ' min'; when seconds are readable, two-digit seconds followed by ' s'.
10 h 58 min 24 s
